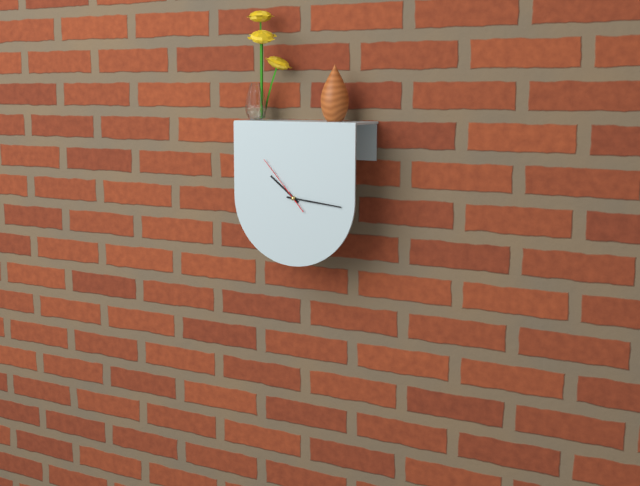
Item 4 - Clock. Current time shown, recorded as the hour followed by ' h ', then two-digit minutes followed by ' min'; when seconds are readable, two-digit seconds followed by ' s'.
10 h 16 min 53 s
